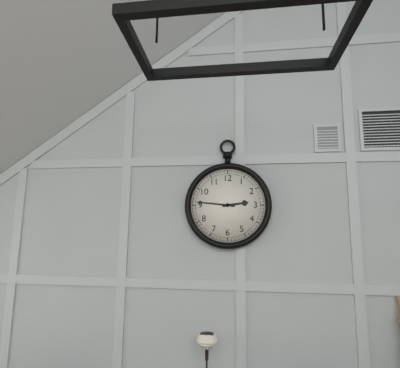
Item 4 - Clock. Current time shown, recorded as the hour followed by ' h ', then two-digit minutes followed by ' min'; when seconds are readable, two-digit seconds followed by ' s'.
2 h 46 min
